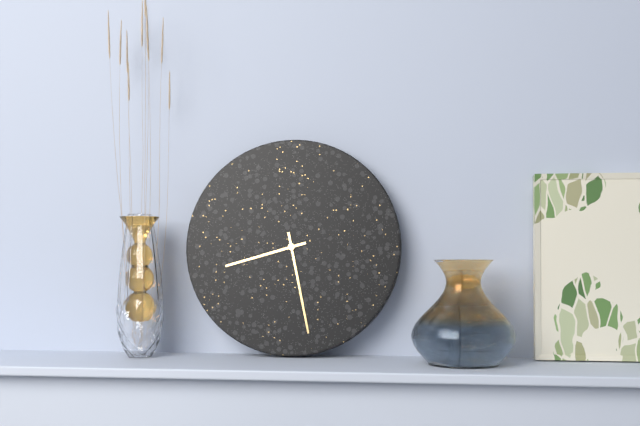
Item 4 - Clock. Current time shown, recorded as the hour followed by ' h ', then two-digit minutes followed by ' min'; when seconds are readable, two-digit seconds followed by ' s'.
8 h 28 min
